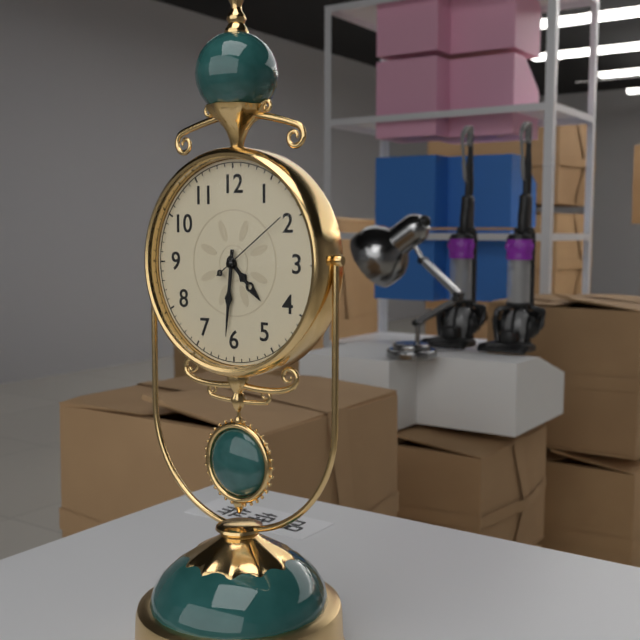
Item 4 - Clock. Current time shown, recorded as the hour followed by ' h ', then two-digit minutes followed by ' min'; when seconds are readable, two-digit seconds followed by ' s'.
4 h 31 min 09 s
